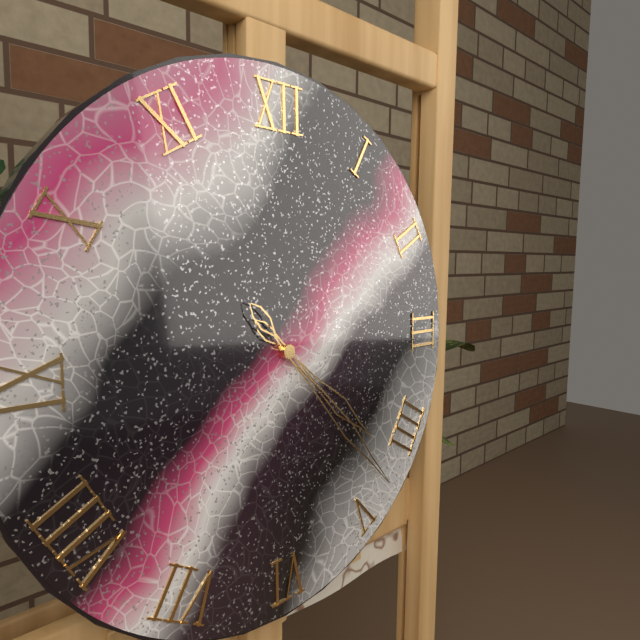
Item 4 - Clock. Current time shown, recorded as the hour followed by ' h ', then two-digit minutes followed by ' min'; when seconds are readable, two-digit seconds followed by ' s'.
4 h 23 min
